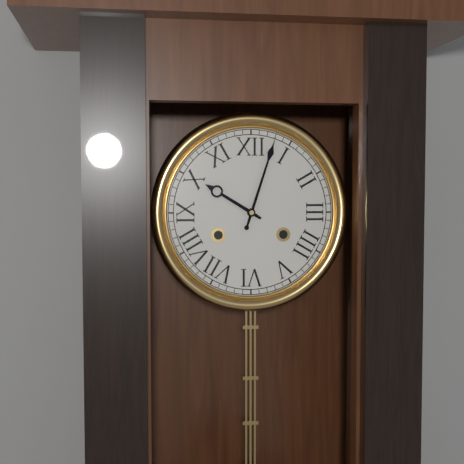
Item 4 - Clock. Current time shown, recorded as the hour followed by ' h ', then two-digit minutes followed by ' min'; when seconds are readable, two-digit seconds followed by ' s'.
10 h 03 min
